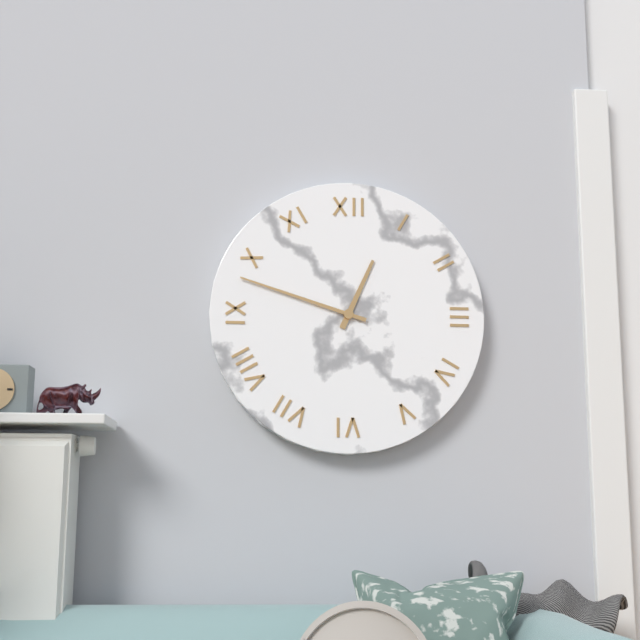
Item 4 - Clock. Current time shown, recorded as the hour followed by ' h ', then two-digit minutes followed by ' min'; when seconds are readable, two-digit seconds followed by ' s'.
12 h 48 min
